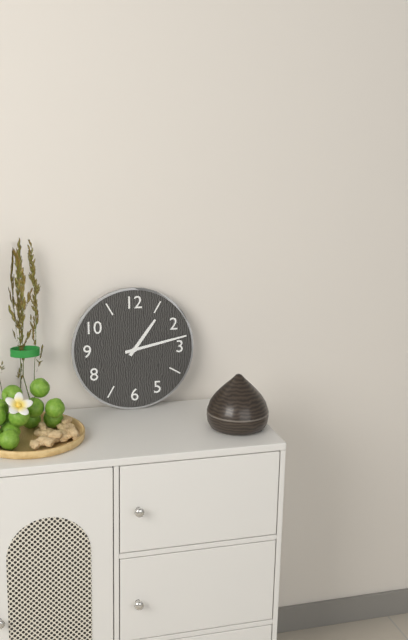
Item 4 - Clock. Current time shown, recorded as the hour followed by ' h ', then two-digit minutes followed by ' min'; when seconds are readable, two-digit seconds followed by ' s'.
1 h 13 min
